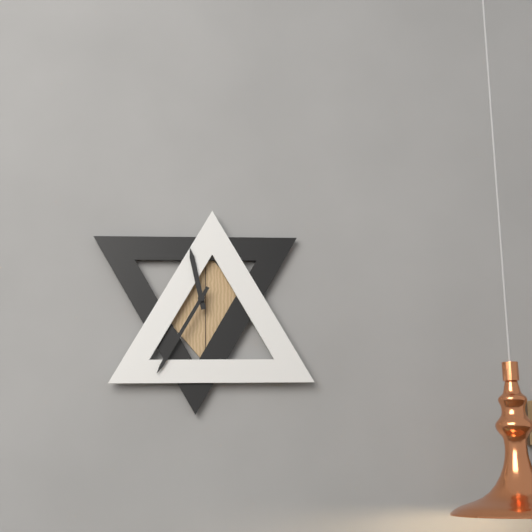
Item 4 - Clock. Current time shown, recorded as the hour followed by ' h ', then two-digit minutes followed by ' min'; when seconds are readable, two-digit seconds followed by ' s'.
11 h 35 min
